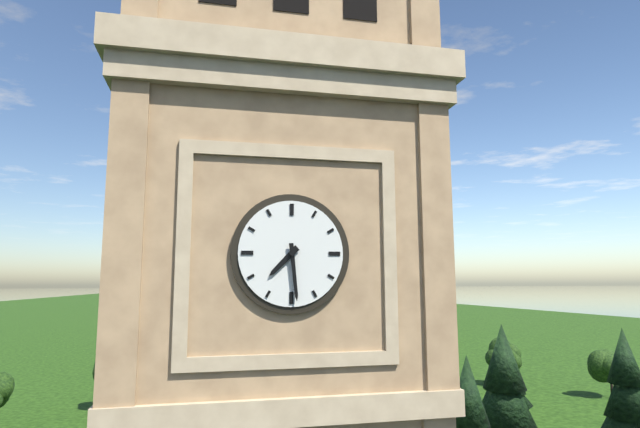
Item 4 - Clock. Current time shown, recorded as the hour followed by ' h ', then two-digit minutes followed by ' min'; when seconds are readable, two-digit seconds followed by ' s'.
7 h 29 min
